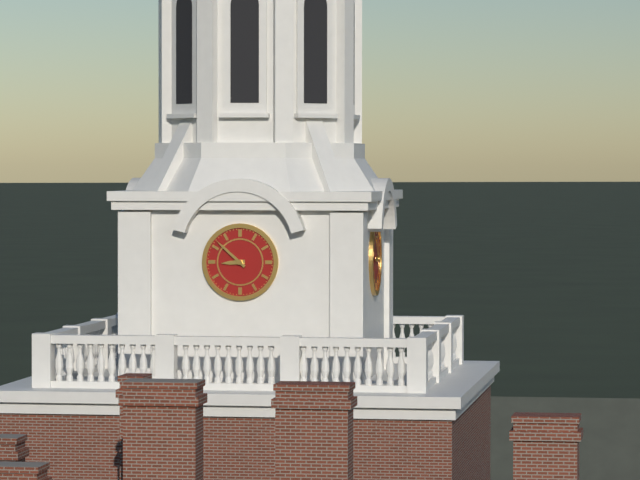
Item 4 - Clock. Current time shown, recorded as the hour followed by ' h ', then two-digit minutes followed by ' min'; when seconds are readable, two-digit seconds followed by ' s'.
8 h 52 min
